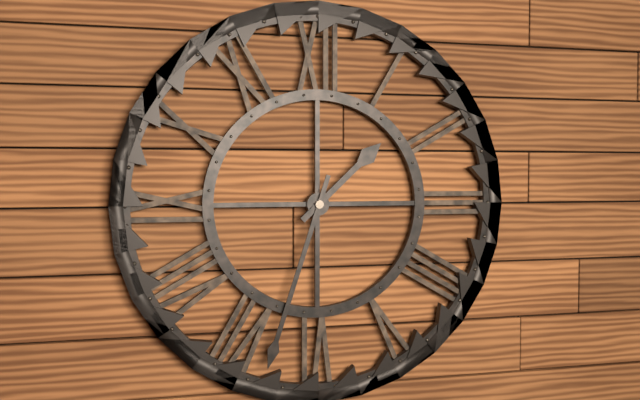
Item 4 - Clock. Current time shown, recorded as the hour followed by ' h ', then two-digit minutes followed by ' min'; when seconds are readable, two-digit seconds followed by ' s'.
1 h 33 min
